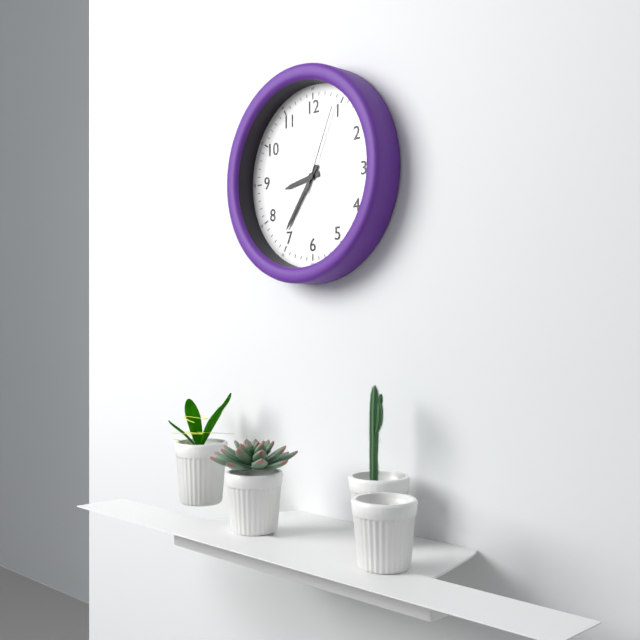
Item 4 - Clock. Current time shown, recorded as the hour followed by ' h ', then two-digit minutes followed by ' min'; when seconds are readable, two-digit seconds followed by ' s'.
8 h 36 min 04 s
